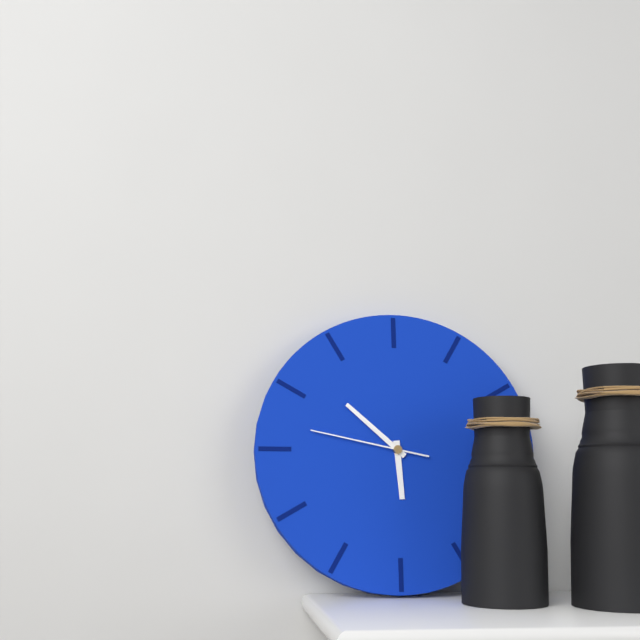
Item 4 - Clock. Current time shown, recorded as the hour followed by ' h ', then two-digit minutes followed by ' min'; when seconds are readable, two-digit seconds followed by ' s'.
5 h 52 min 47 s
